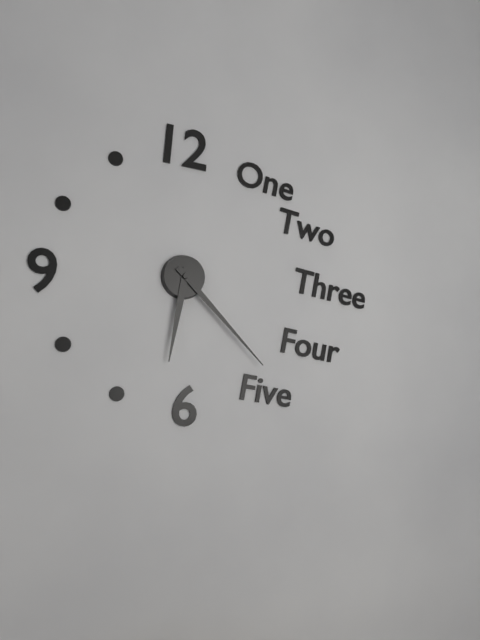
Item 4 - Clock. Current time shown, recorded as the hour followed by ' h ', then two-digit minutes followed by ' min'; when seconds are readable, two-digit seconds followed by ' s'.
6 h 23 min
